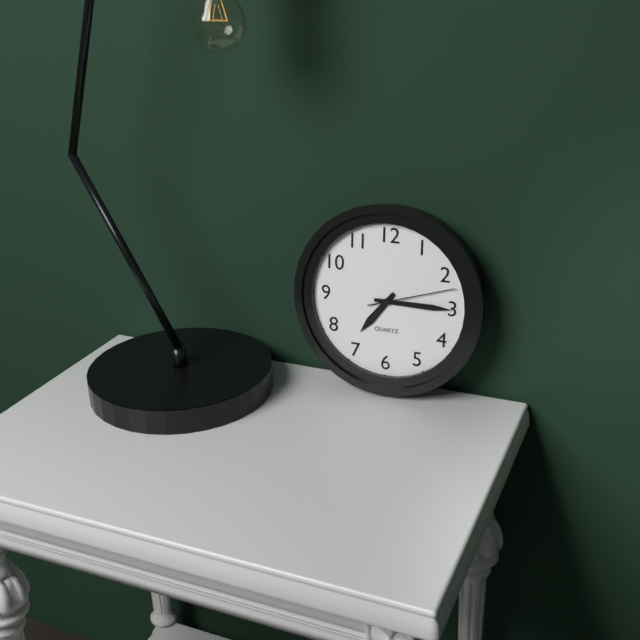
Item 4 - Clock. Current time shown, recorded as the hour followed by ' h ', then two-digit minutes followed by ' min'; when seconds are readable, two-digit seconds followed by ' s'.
7 h 15 min 12 s
